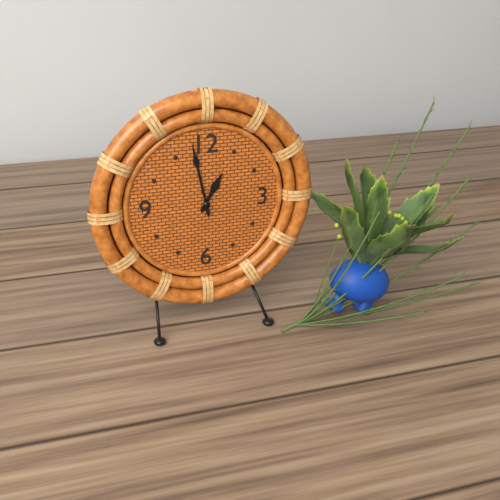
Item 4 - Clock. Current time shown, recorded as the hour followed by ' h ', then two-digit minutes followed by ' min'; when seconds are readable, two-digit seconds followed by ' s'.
12 h 58 min
